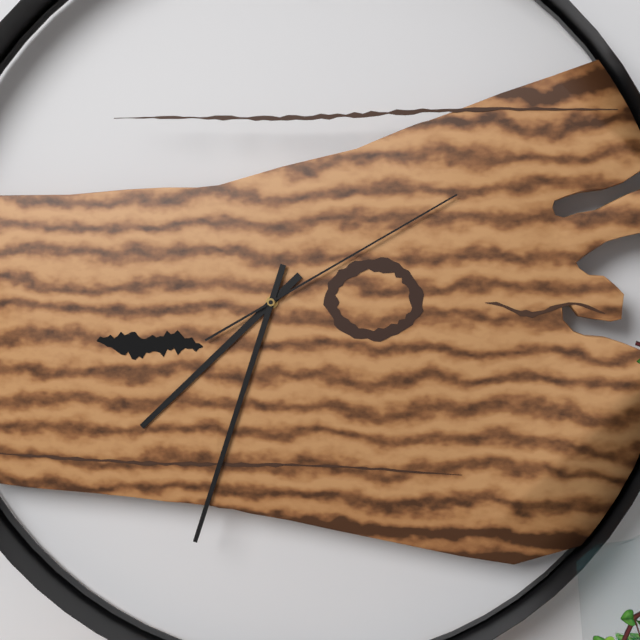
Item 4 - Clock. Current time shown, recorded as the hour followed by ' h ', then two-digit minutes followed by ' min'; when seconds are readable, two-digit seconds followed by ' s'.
7 h 33 min 10 s
